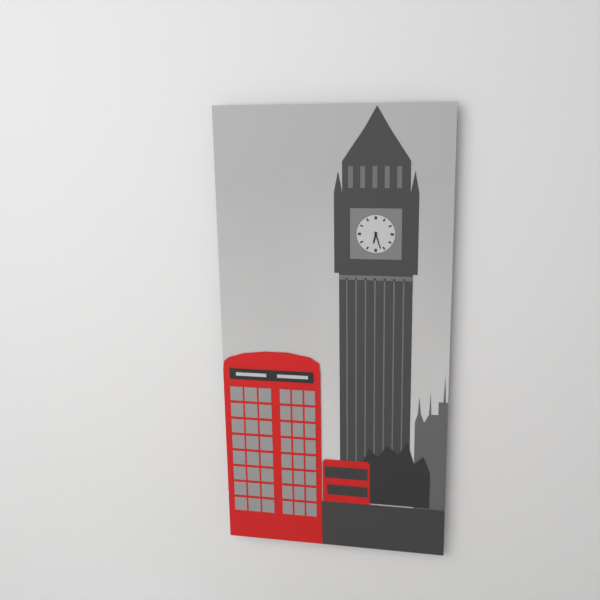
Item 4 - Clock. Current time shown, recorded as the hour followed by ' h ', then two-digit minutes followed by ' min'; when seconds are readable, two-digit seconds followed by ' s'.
6 h 27 min
